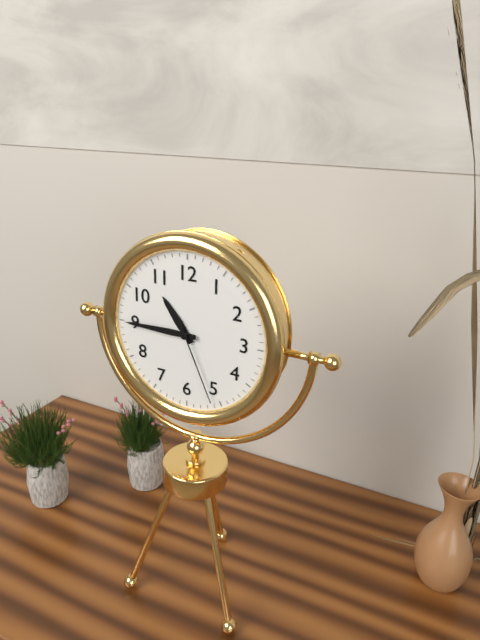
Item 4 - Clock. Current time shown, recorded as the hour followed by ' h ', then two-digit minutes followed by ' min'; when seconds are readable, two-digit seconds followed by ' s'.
10 h 45 min 26 s
